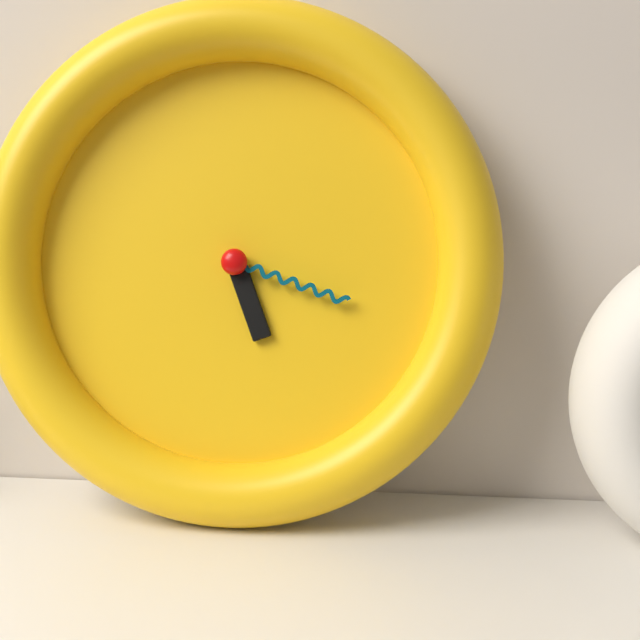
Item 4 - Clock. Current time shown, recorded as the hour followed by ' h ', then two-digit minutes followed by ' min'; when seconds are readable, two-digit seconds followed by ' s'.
5 h 18 min
